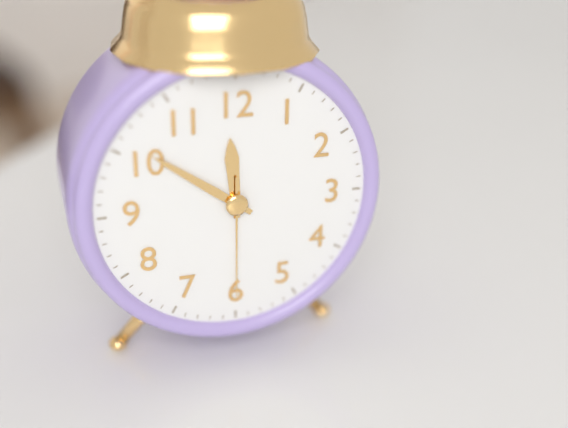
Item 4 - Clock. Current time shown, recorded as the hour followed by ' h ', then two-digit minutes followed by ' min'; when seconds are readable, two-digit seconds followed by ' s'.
11 h 51 min 30 s
